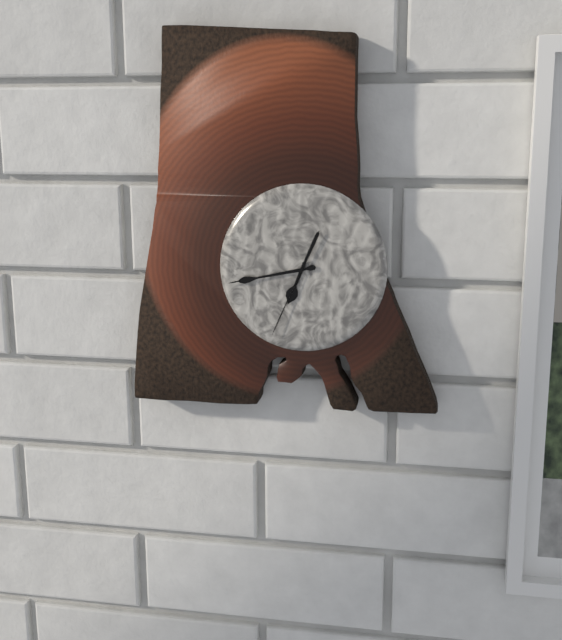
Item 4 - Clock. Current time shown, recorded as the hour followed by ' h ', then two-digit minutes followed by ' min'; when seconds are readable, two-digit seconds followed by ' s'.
6 h 43 min 34 s
